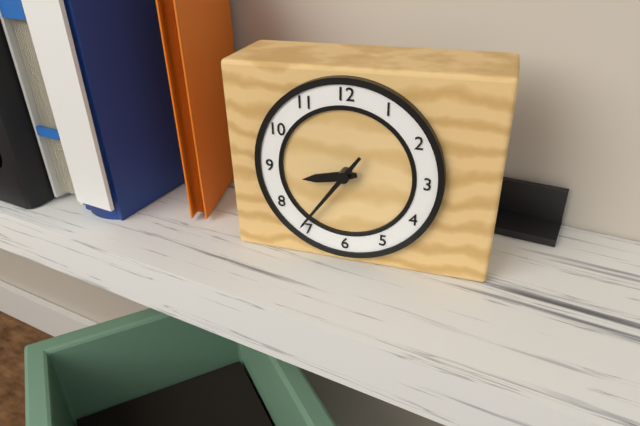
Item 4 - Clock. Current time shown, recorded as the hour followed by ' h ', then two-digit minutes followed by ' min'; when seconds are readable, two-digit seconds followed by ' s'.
8 h 36 min
